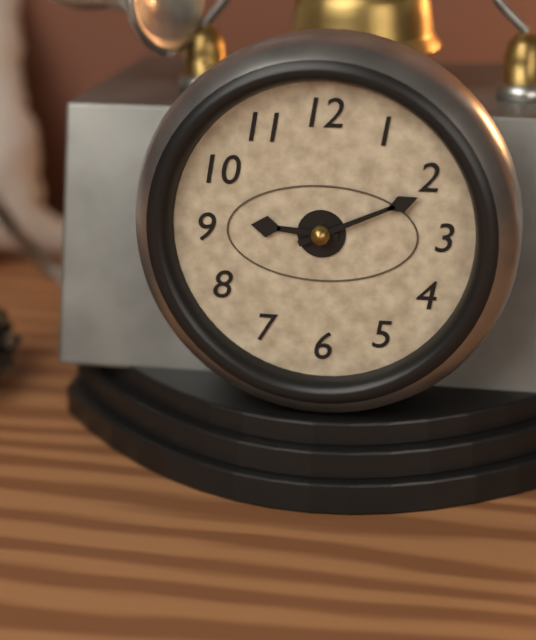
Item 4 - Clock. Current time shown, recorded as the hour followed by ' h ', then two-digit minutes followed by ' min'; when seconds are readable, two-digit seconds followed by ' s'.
9 h 11 min
